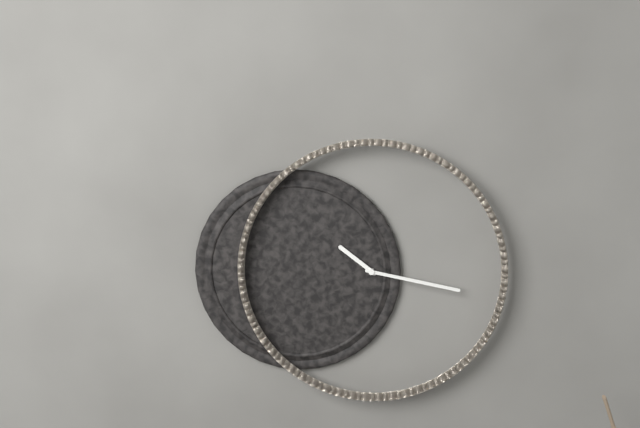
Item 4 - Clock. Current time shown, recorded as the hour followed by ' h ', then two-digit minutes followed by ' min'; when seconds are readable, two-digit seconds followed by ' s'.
10 h 17 min
